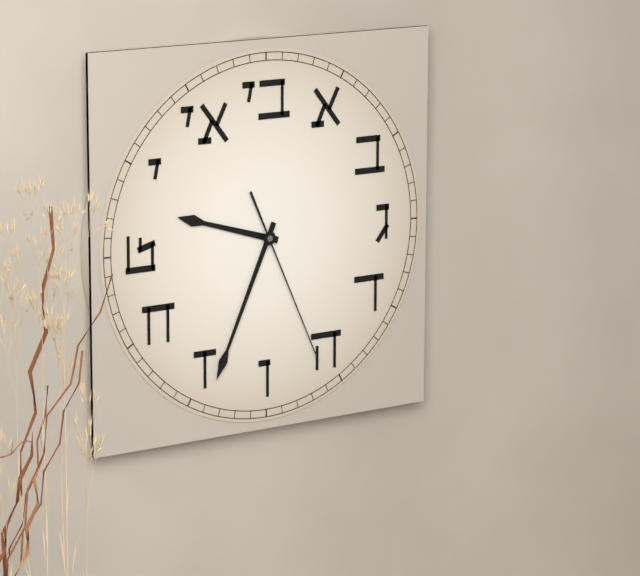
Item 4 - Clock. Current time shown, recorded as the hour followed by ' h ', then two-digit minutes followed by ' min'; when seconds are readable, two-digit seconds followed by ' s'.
9 h 34 min 26 s
